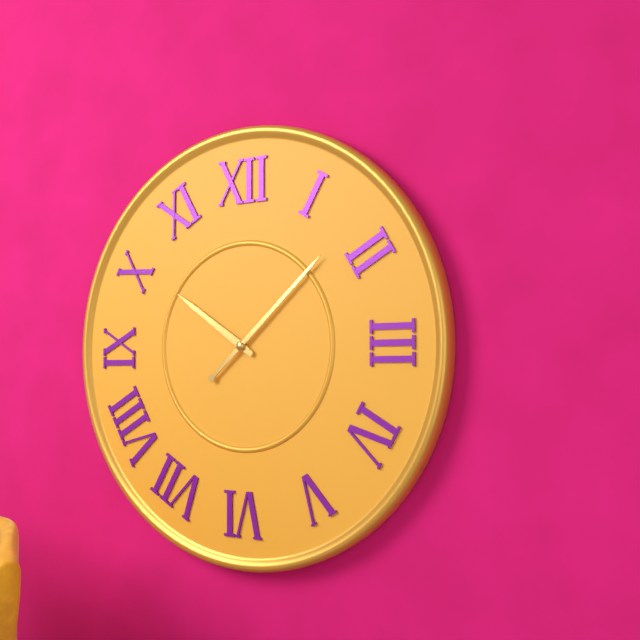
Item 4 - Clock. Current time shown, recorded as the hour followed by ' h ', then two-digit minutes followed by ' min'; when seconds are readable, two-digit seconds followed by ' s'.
10 h 08 min
